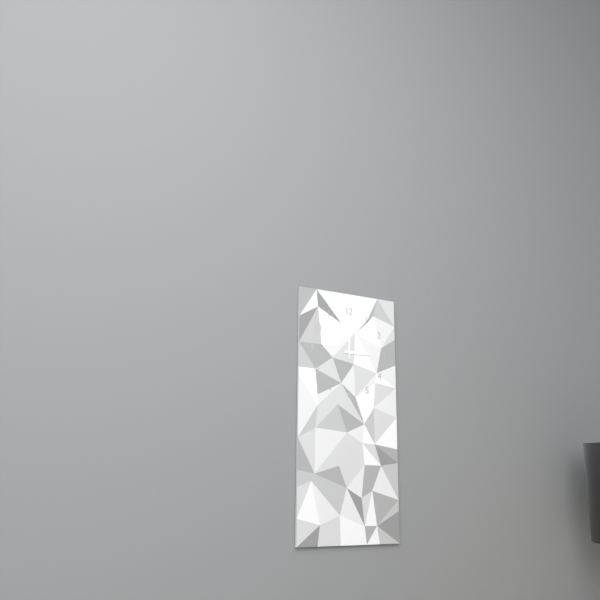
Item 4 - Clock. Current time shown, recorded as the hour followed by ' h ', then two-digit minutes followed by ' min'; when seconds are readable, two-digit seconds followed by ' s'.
3 h 00 min
